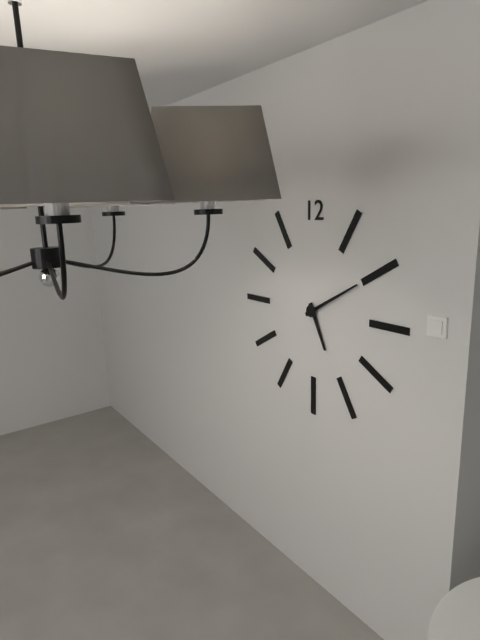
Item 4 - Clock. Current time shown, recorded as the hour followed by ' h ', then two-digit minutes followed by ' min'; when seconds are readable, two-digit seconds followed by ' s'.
5 h 10 min
